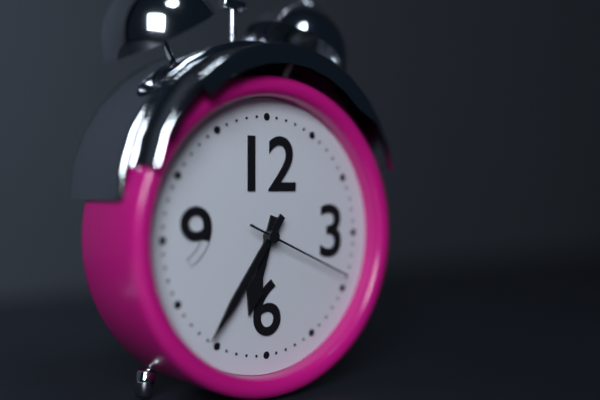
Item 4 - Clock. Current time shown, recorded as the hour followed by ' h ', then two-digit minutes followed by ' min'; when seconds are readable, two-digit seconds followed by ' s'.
6 h 36 min 19 s
